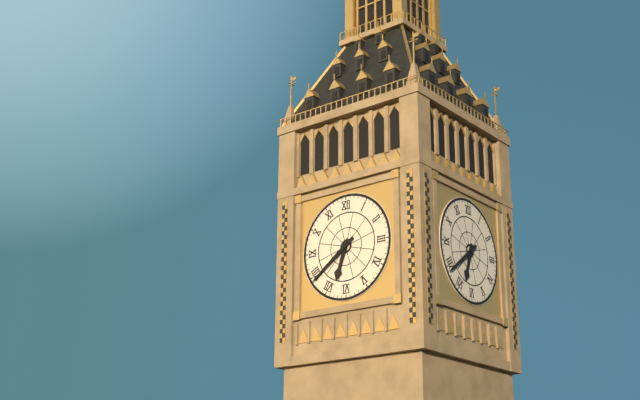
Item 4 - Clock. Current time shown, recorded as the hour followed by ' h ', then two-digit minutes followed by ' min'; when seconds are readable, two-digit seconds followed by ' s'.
6 h 39 min
